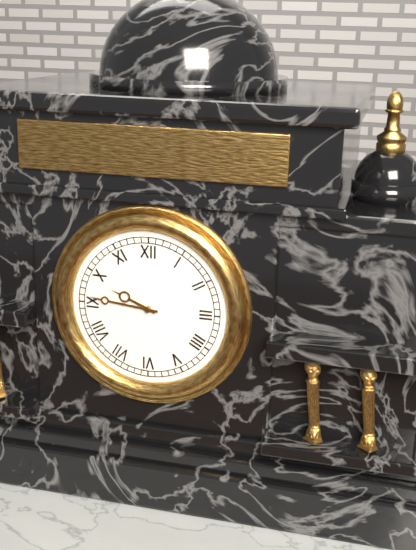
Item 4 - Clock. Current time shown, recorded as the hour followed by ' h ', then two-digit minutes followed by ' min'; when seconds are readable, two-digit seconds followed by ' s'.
9 h 46 min
